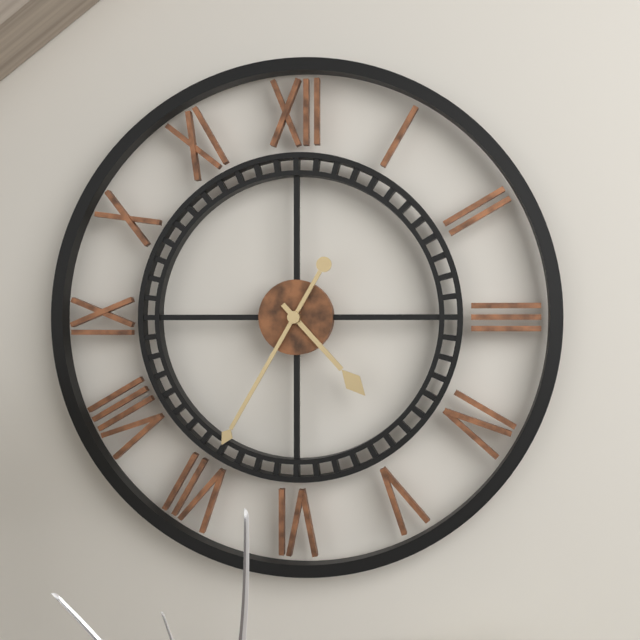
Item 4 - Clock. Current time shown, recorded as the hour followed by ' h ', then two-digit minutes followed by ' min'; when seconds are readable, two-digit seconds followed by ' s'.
4 h 35 min
